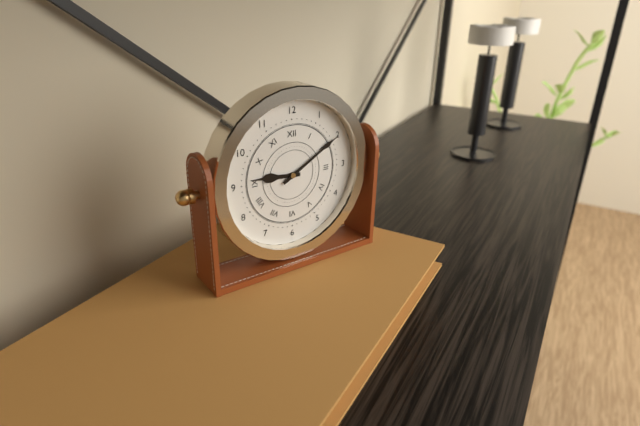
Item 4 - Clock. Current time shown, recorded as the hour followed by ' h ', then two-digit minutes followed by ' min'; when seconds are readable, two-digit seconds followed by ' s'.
9 h 10 min
